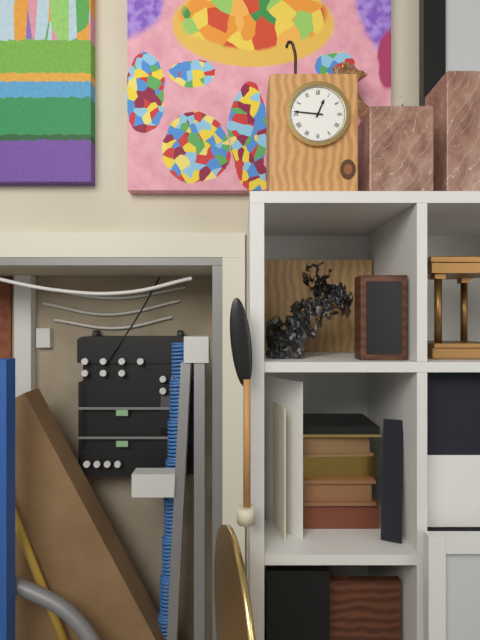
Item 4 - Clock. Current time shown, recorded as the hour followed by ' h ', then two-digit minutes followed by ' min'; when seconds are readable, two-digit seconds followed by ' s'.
12 h 46 min
